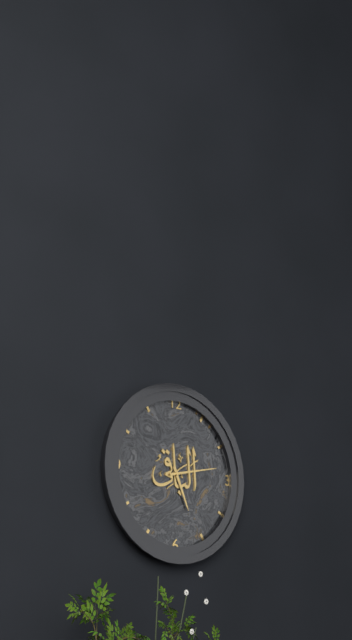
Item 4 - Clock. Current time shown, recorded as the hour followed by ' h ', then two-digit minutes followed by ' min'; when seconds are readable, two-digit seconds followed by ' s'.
5 h 13 min
